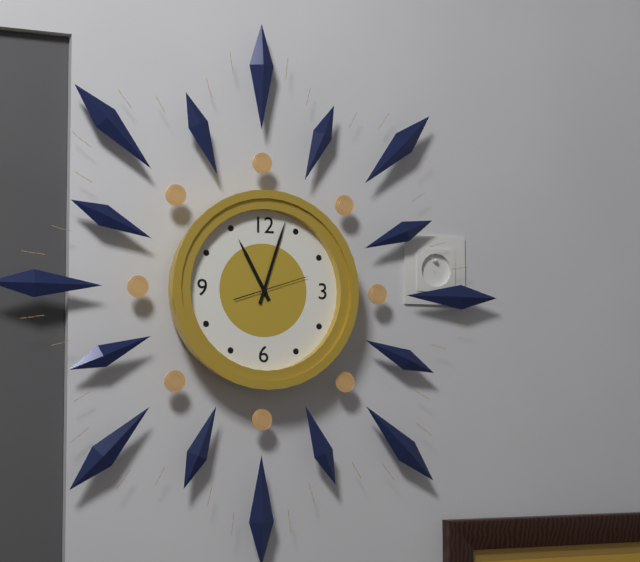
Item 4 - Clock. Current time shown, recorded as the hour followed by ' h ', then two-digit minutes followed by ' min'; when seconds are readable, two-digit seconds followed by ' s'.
11 h 03 min 12 s
